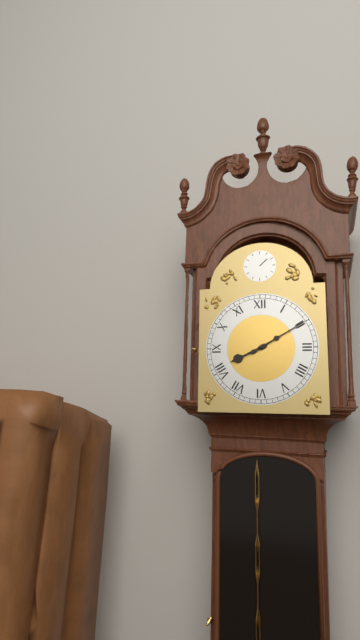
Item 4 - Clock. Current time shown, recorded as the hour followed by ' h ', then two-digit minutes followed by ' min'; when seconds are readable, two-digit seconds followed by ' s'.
8 h 10 min
